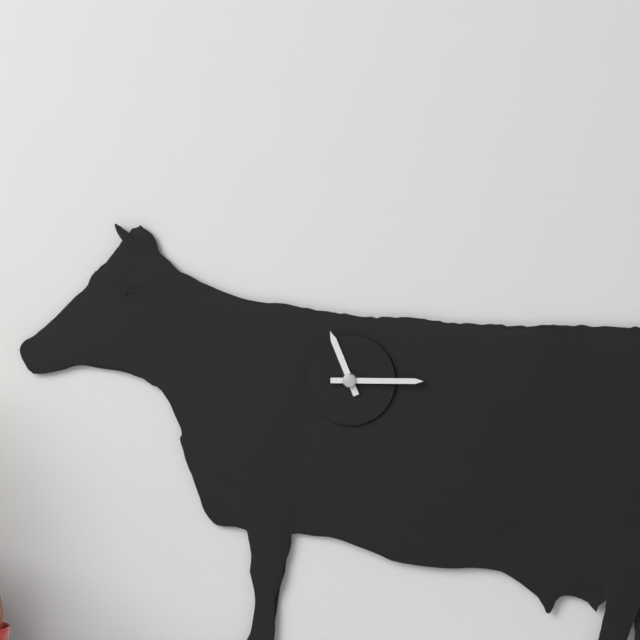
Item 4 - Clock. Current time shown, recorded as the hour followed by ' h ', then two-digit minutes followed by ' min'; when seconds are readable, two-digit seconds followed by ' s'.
11 h 15 min
